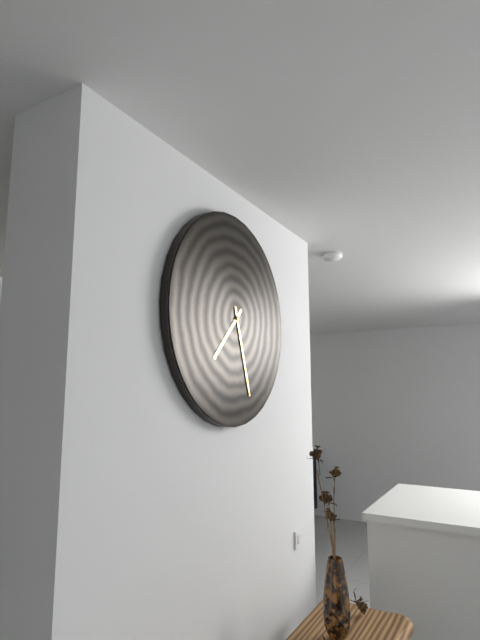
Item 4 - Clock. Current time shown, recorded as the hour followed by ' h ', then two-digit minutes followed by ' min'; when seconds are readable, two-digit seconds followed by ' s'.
7 h 27 min
